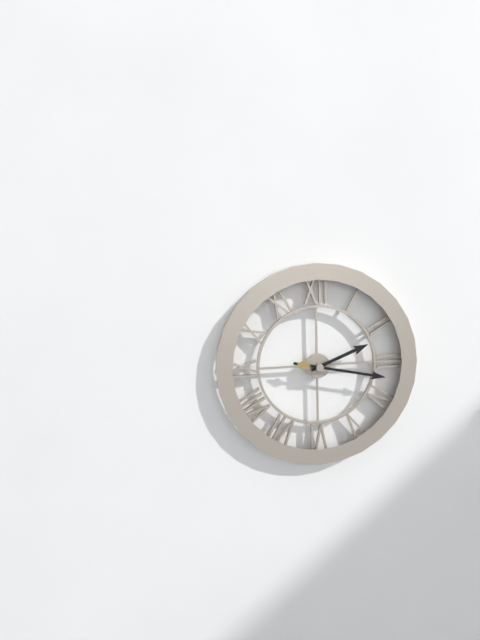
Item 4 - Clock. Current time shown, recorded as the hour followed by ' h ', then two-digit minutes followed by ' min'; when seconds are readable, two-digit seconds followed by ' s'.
2 h 17 min
